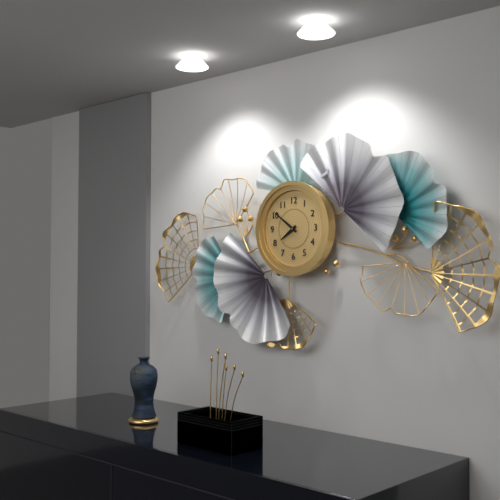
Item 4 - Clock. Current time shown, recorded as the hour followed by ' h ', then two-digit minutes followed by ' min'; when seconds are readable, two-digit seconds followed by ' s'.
7 h 51 min
